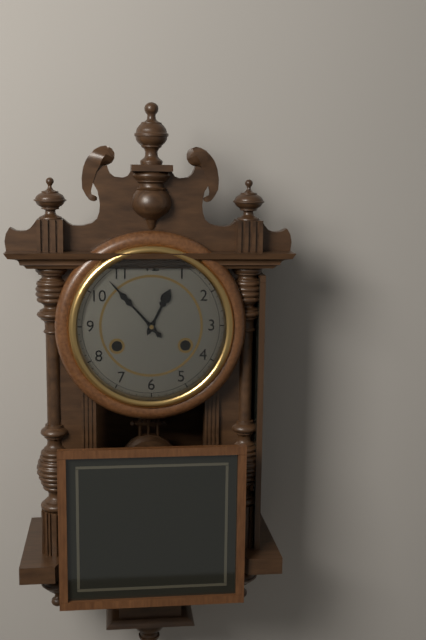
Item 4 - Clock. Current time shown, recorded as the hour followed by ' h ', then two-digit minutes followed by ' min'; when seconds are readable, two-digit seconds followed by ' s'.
12 h 53 min
